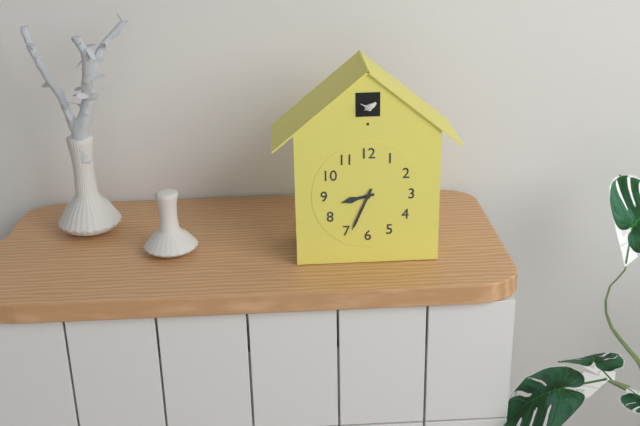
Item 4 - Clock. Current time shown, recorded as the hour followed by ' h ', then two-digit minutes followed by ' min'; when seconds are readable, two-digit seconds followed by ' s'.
8 h 34 min
